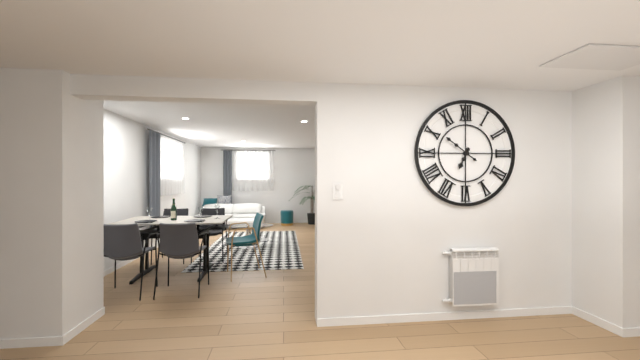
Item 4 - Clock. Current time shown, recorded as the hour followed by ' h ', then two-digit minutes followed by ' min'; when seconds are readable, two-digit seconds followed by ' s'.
6 h 51 min
